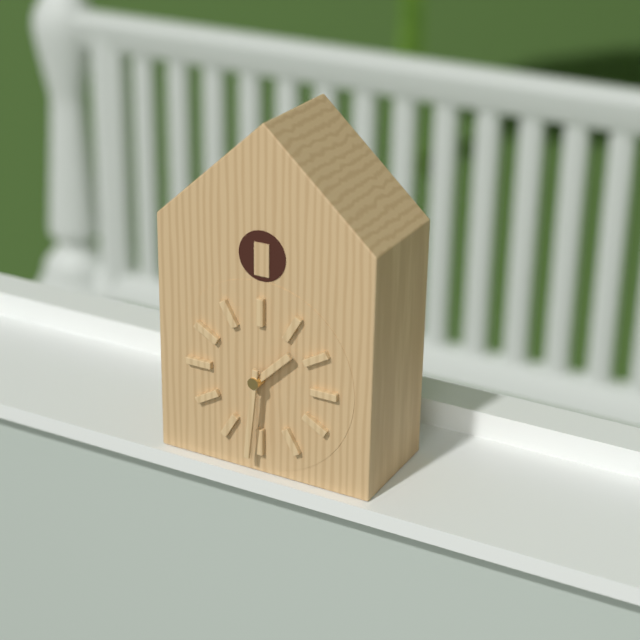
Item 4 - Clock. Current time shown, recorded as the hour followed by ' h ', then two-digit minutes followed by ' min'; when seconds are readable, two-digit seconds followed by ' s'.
1 h 31 min
